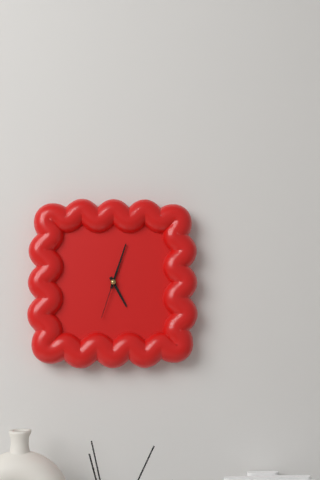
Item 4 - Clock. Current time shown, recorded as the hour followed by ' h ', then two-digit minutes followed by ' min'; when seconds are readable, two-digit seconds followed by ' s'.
5 h 03 min
